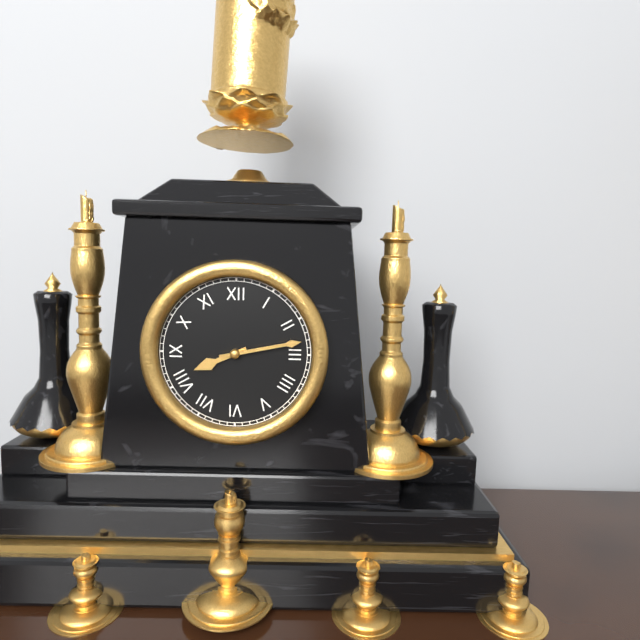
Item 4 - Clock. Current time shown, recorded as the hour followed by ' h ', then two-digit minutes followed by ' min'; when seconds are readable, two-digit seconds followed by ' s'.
8 h 13 min
